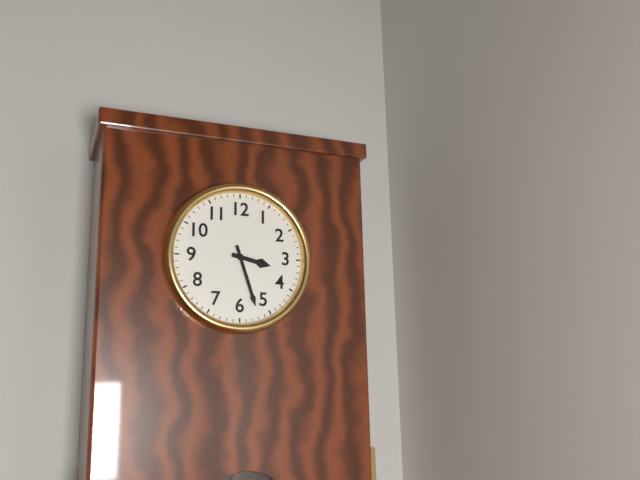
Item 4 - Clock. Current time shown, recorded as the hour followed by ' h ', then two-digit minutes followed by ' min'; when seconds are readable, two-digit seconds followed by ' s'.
3 h 27 min
